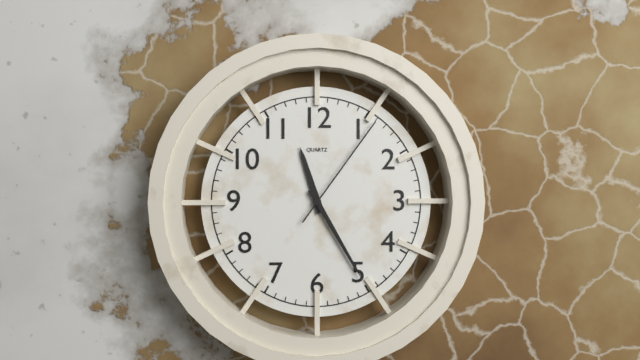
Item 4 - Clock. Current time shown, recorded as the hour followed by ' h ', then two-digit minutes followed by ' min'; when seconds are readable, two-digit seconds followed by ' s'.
11 h 25 min 06 s
